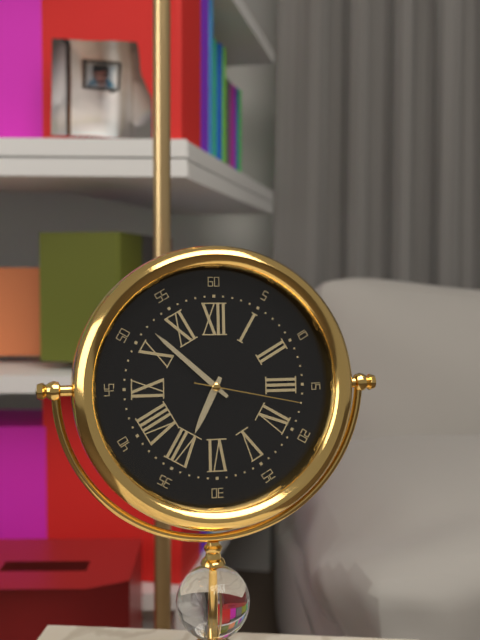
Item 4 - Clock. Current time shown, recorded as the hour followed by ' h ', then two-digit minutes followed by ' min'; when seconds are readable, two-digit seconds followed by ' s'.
6 h 52 min 17 s
